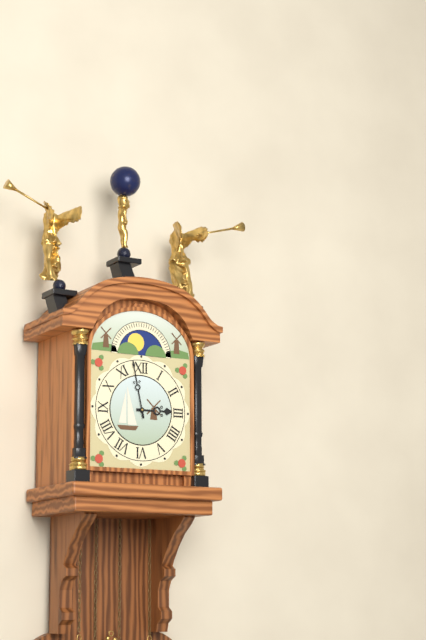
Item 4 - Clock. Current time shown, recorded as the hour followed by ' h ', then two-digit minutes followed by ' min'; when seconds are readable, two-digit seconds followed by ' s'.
2 h 58 min
